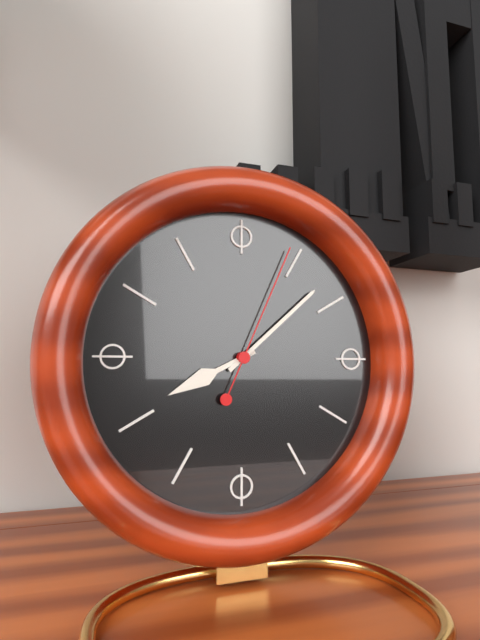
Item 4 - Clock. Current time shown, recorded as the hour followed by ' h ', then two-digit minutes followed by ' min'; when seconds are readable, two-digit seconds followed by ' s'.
8 h 08 min 04 s
